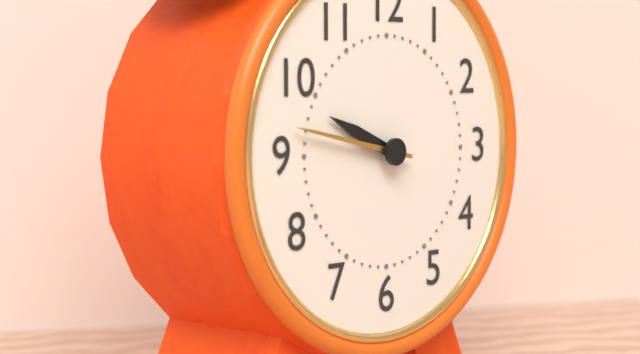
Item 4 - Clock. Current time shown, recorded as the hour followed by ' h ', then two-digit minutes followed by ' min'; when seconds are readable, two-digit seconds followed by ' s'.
9 h 47 min
